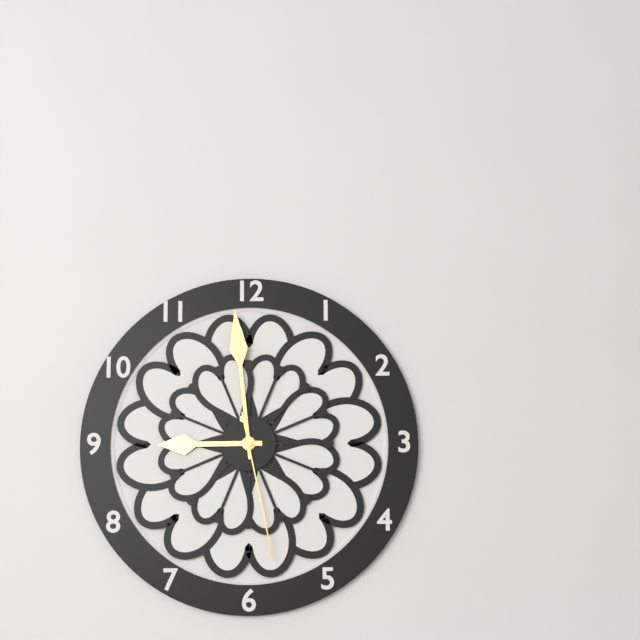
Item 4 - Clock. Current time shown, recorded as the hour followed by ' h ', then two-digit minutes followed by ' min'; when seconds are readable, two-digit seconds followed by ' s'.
8 h 59 min 28 s
